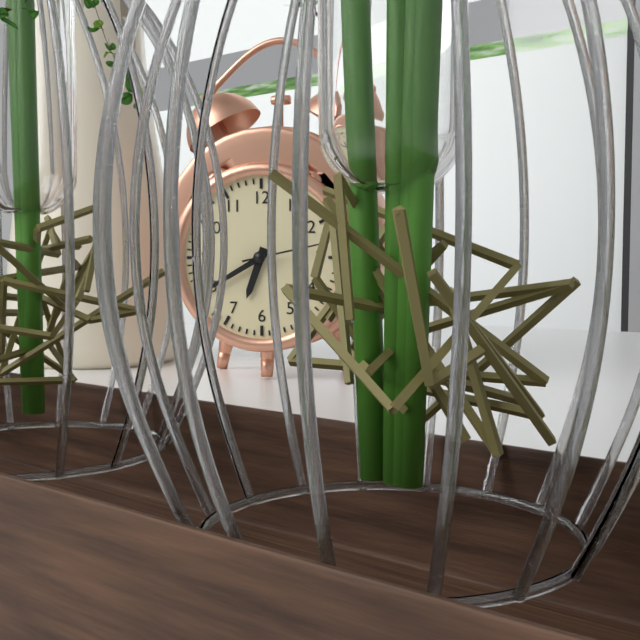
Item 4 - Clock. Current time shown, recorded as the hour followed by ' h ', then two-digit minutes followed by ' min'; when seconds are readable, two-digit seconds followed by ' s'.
6 h 40 min 13 s
